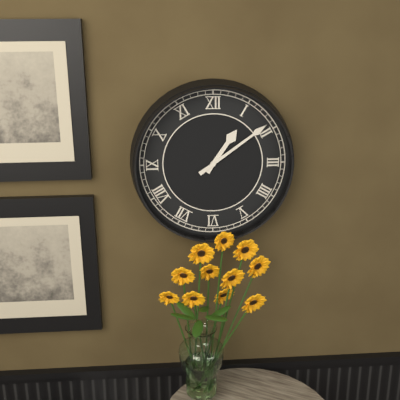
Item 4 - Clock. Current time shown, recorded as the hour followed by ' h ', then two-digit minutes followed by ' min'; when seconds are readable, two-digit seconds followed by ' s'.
1 h 09 min
